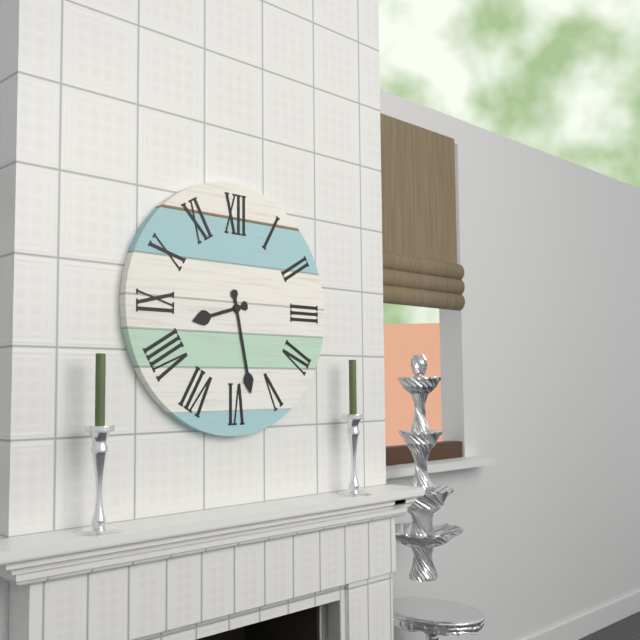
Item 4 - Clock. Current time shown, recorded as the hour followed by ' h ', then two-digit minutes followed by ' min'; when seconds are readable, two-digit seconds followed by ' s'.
8 h 28 min
